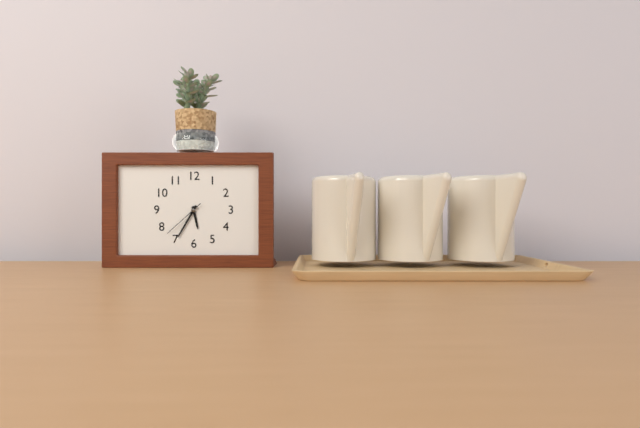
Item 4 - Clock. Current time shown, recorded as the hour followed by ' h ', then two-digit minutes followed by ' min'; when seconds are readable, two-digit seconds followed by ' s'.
5 h 35 min
